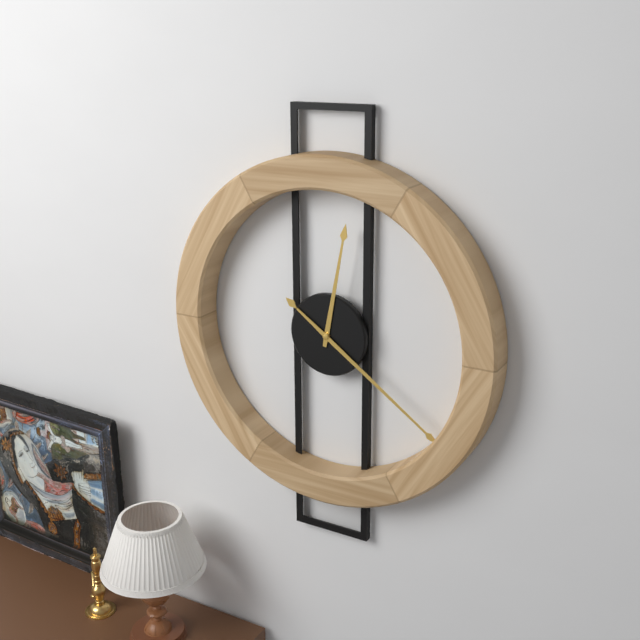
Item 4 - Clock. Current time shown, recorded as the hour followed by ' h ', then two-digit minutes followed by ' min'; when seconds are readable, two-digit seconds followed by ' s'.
12 h 21 min
